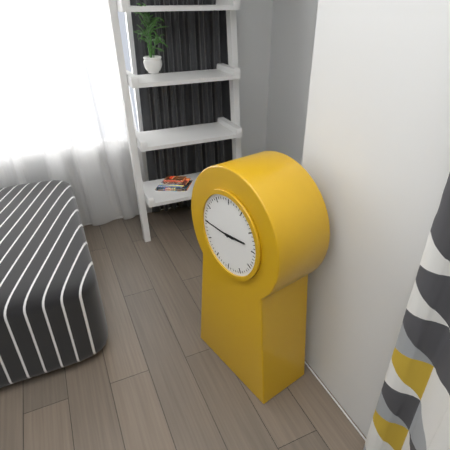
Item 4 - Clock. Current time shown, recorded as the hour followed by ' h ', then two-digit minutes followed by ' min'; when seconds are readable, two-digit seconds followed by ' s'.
2 h 45 min
